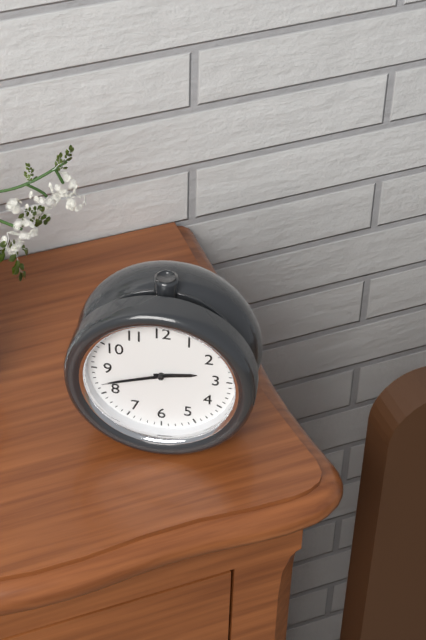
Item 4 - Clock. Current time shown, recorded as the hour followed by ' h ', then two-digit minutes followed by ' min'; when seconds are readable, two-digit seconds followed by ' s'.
2 h 42 min 42 s
